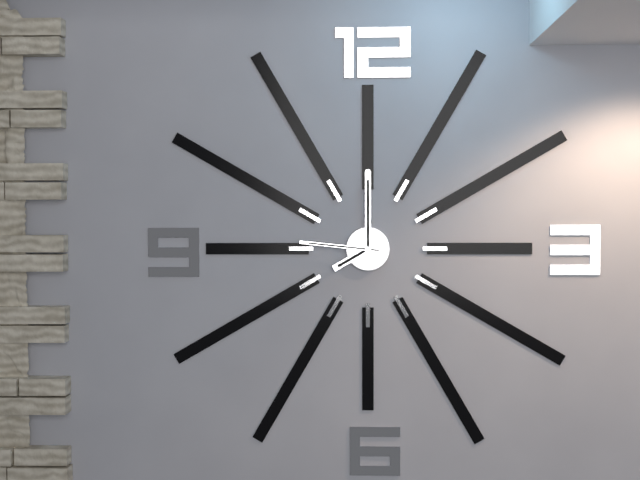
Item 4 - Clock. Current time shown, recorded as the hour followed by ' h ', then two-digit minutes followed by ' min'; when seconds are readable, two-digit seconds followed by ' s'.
8 h 00 min 46 s
